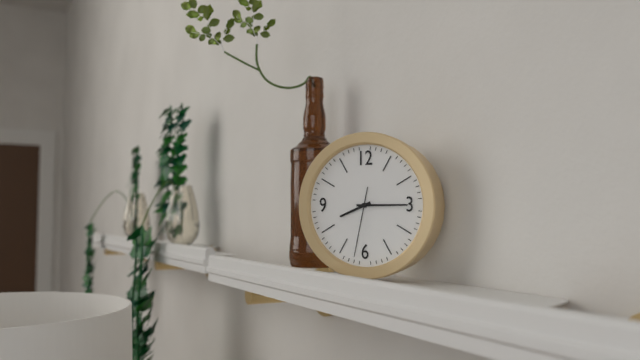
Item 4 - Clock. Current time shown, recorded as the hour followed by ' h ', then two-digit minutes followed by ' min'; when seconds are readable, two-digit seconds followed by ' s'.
8 h 15 min 32 s
